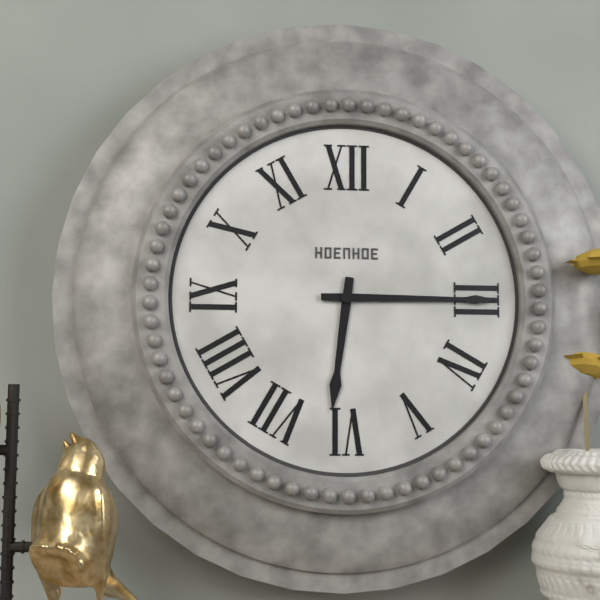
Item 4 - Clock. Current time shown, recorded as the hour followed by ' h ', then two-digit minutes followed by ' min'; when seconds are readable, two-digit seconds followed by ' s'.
6 h 15 min
